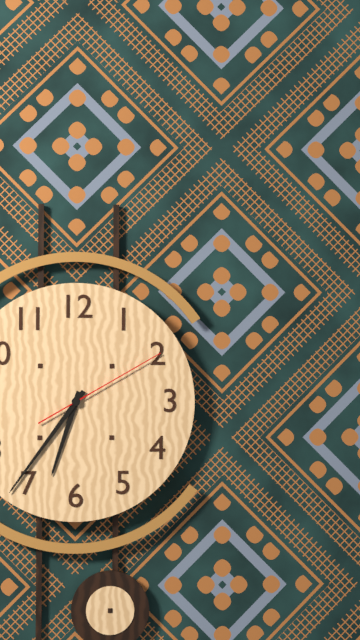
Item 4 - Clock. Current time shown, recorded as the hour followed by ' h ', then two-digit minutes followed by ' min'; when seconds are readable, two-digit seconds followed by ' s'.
6 h 36 min 10 s
